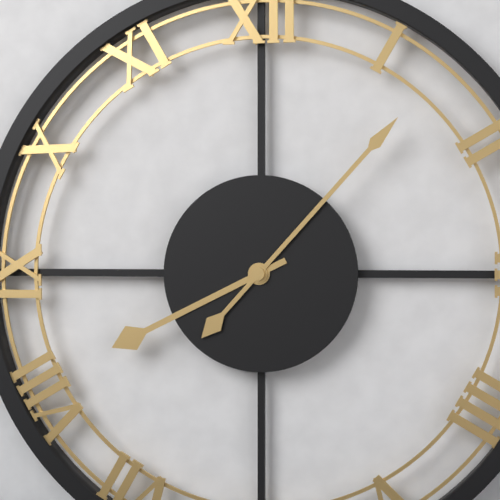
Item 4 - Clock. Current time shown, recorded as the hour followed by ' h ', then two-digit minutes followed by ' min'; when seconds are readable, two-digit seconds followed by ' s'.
8 h 07 min
